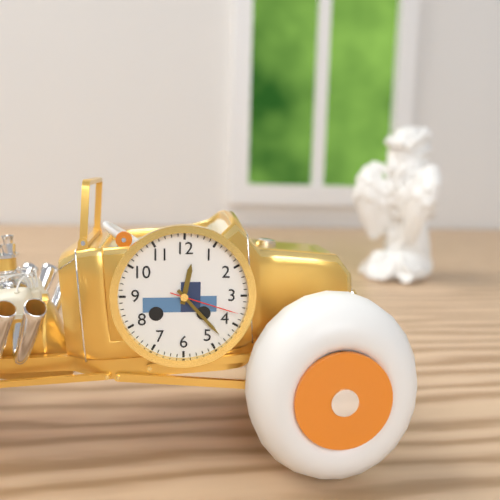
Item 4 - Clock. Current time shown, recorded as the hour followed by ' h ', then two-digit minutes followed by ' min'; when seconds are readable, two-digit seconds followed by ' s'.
12 h 23 min 18 s
